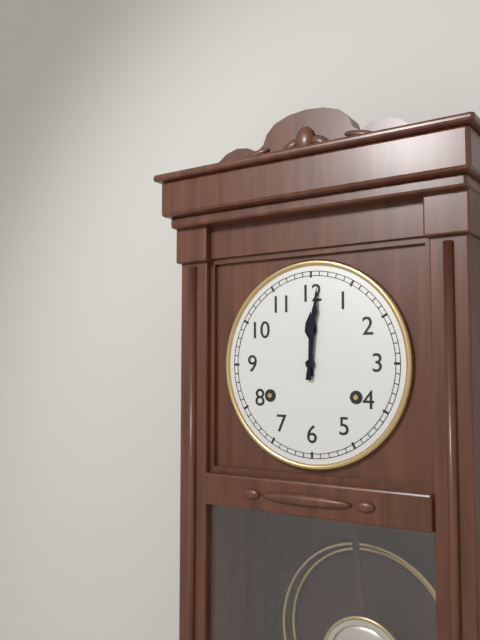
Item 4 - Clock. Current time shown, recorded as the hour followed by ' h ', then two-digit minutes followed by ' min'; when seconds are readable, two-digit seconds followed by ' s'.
12 h 01 min
